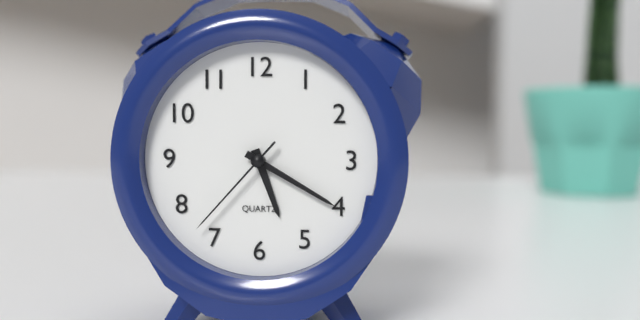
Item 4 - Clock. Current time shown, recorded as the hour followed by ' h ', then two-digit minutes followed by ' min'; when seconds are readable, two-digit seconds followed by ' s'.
5 h 20 min 37 s
